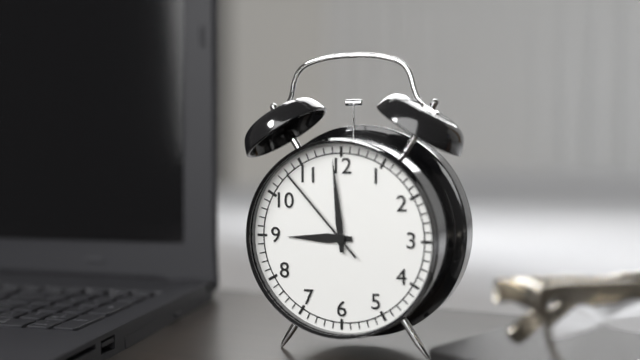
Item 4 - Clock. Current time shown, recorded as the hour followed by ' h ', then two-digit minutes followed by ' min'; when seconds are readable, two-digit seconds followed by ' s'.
8 h 59 min 53 s
